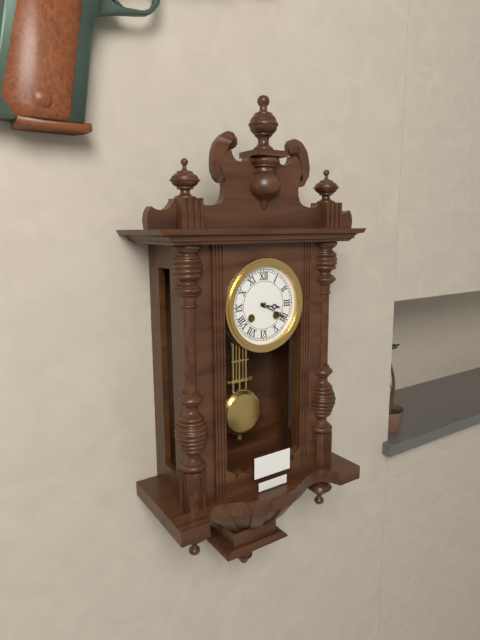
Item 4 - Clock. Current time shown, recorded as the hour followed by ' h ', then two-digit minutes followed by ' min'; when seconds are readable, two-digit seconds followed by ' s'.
3 h 20 min
